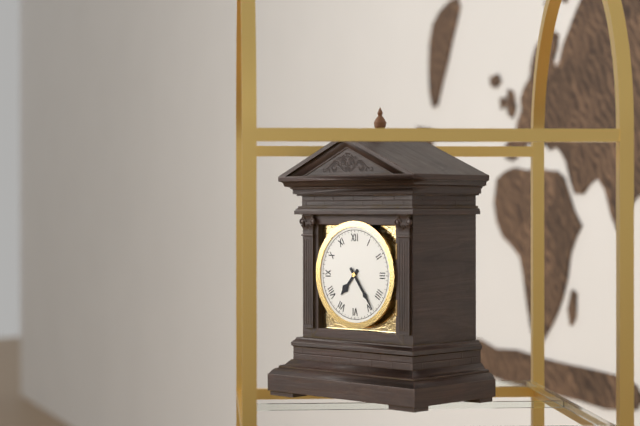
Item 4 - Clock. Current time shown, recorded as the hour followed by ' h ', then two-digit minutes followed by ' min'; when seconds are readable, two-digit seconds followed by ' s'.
7 h 24 min
